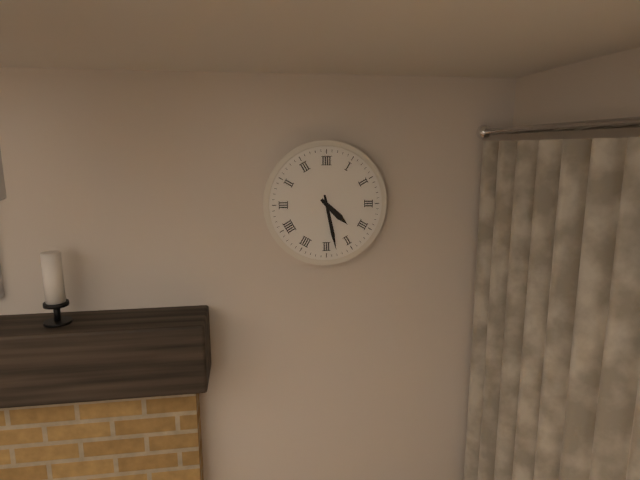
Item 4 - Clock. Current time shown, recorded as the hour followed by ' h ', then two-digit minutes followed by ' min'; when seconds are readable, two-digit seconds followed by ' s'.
4 h 28 min
